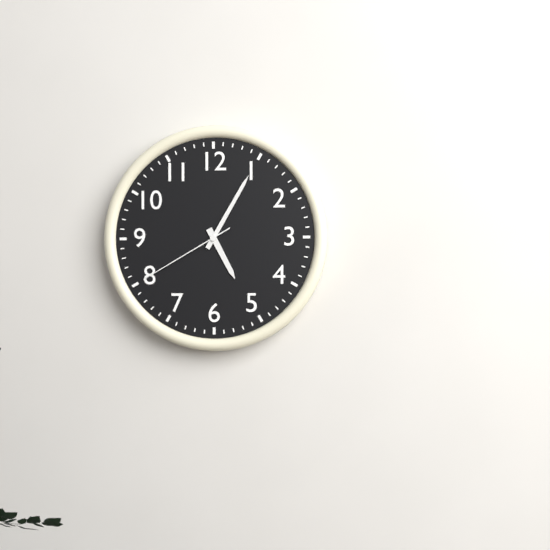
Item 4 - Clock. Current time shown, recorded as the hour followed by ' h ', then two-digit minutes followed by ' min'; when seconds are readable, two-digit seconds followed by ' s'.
5 h 05 min 40 s
